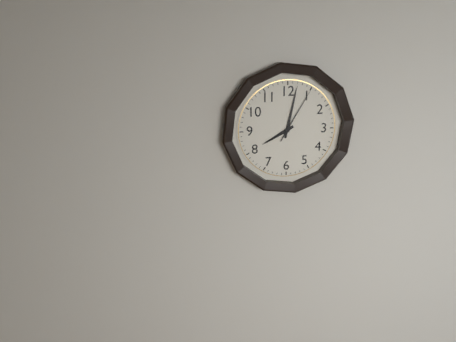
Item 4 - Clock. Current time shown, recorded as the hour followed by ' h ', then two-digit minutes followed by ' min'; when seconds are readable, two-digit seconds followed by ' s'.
8 h 02 min 05 s
